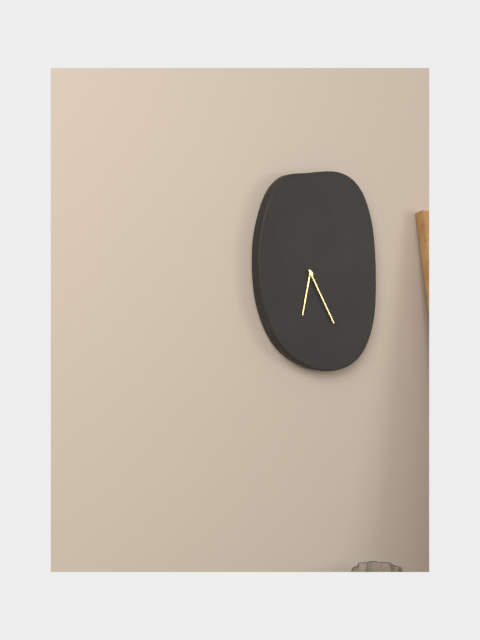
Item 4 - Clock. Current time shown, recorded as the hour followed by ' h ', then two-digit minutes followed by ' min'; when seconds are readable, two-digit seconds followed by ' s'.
6 h 25 min
